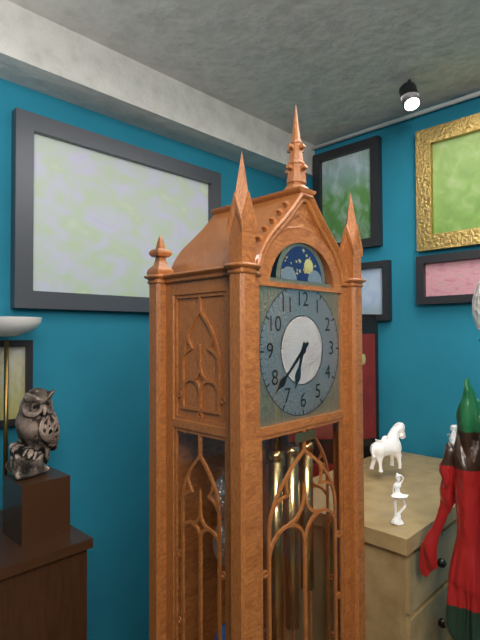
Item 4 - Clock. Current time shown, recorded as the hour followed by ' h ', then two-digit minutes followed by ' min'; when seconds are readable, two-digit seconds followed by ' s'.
6 h 38 min
